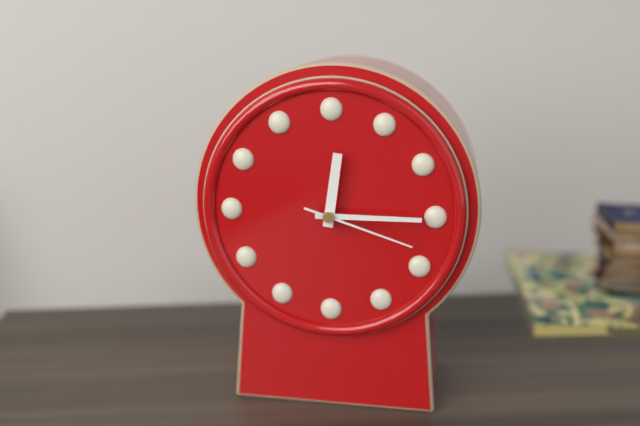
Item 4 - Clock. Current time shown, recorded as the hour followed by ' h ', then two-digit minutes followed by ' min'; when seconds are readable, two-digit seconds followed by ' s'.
12 h 15 min 18 s
